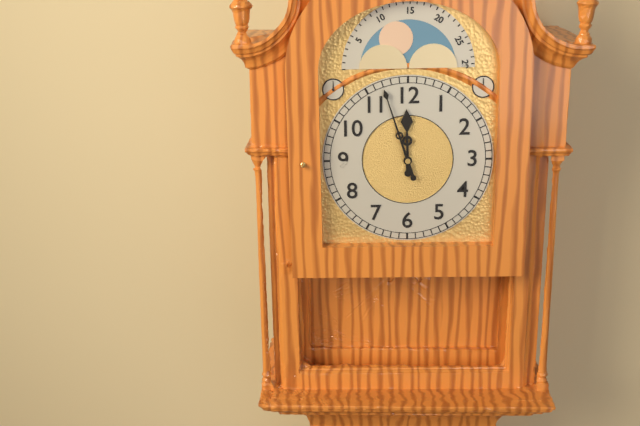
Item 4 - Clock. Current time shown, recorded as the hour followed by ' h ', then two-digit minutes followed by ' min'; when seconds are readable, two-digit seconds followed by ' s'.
11 h 57 min
